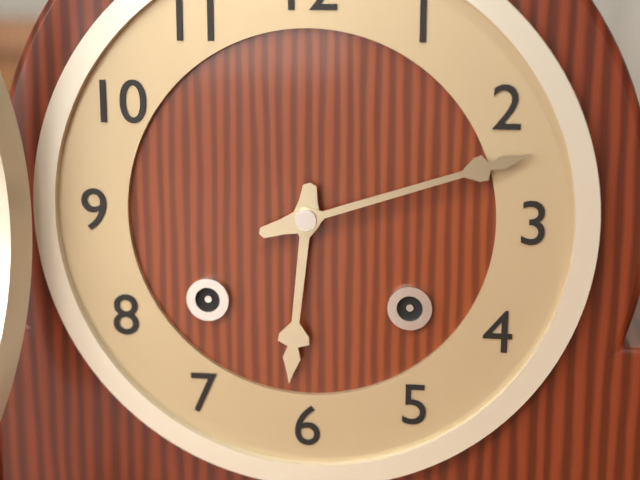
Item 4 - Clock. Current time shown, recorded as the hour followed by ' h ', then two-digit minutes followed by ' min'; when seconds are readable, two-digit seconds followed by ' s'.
6 h 12 min
